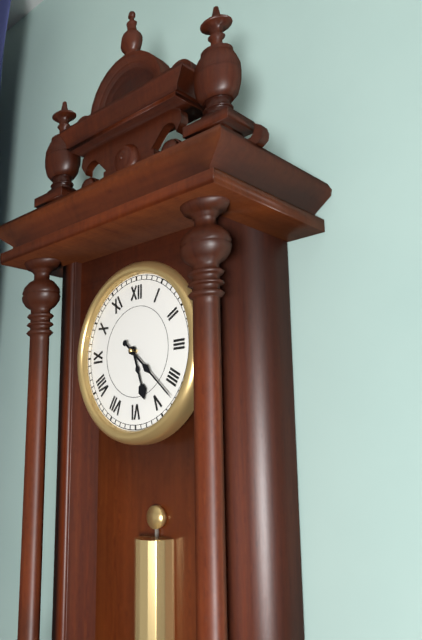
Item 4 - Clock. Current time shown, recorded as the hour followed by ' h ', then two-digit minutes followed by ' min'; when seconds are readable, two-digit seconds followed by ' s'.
5 h 22 min
